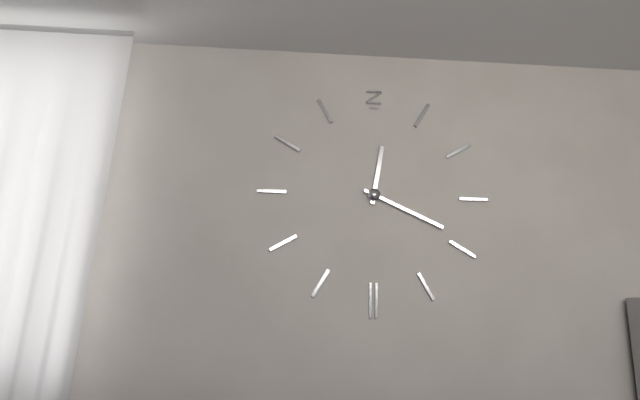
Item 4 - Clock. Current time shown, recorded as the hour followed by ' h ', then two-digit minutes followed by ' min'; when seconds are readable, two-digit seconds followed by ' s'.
12 h 19 min
